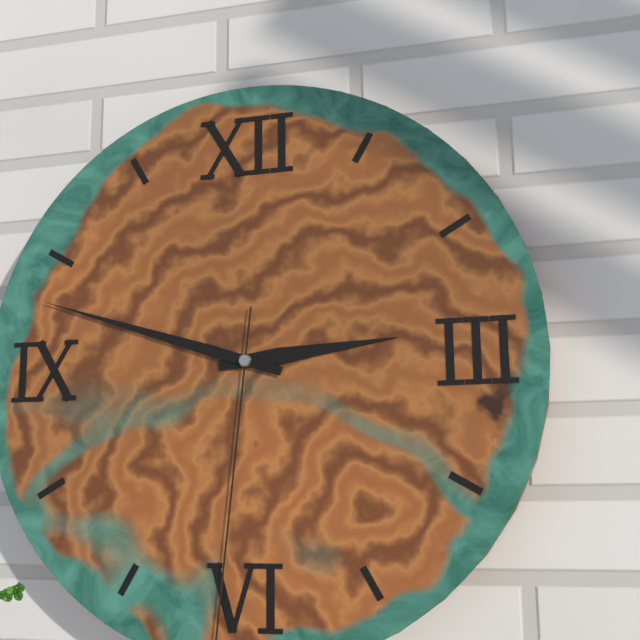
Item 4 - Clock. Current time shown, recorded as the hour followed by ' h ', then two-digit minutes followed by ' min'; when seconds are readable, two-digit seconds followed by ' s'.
2 h 48 min
